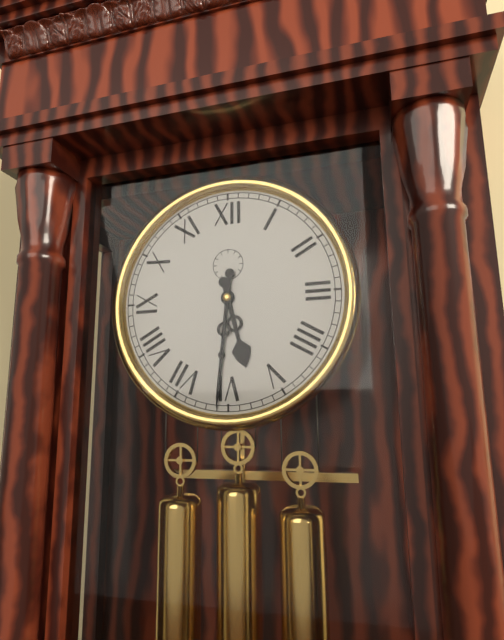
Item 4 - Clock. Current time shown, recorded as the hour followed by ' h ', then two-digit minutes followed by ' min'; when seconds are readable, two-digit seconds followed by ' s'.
5 h 31 min
